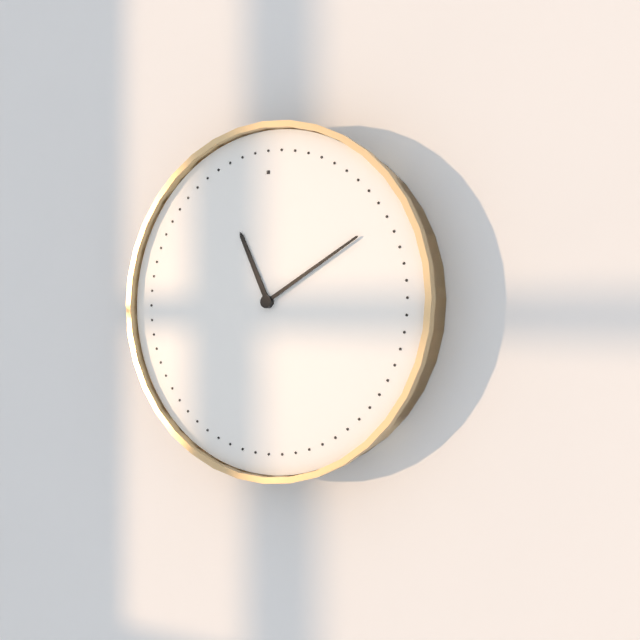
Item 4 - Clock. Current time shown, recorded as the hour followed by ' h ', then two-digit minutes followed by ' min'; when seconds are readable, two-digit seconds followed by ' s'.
11 h 10 min
